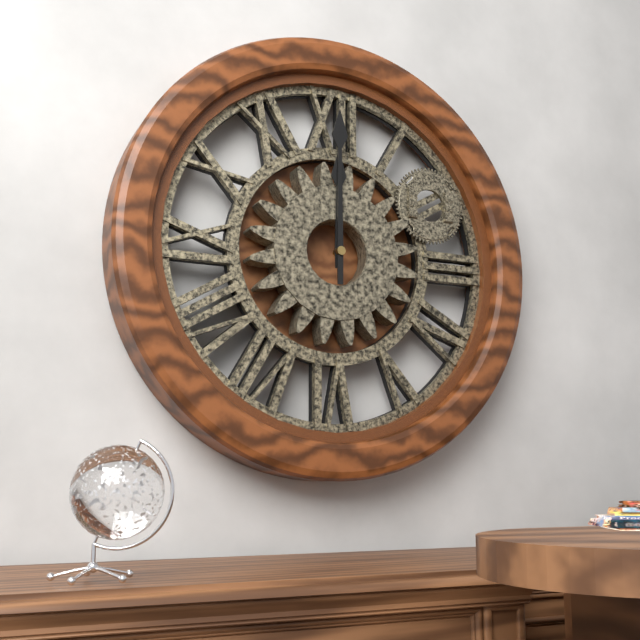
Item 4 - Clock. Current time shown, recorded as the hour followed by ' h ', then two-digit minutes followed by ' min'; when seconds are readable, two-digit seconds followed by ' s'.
12 h 00 min
